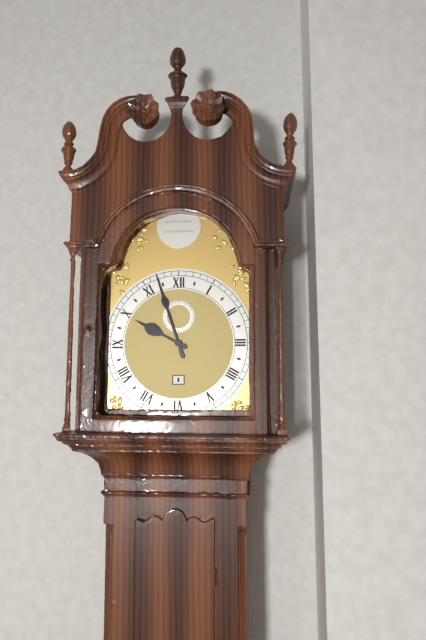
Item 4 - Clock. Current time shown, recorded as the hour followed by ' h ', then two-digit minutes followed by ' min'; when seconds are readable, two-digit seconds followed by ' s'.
9 h 57 min
